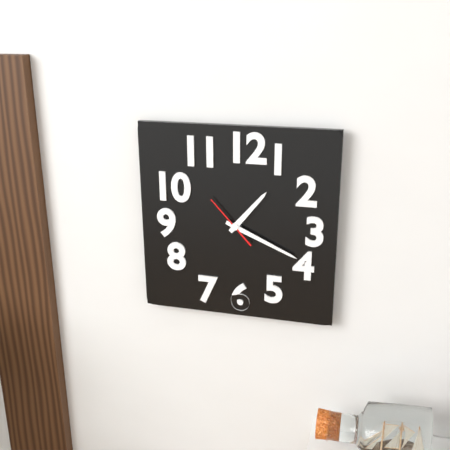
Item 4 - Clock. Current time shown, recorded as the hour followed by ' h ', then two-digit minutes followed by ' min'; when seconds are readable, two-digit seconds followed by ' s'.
1 h 19 min
